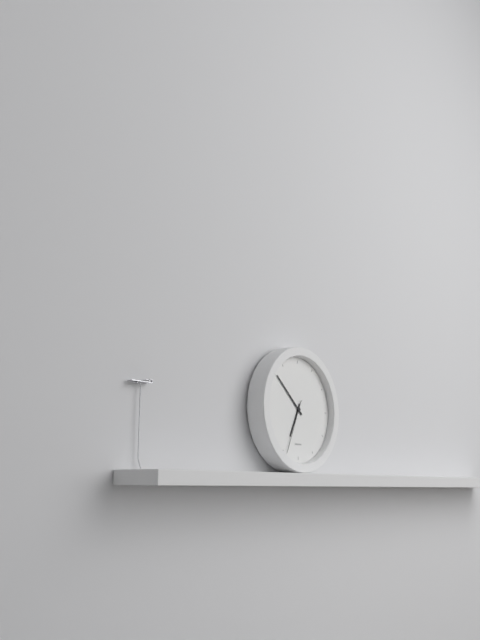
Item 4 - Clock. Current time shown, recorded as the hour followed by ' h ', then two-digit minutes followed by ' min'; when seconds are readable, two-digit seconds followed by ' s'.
6 h 52 min 34 s
